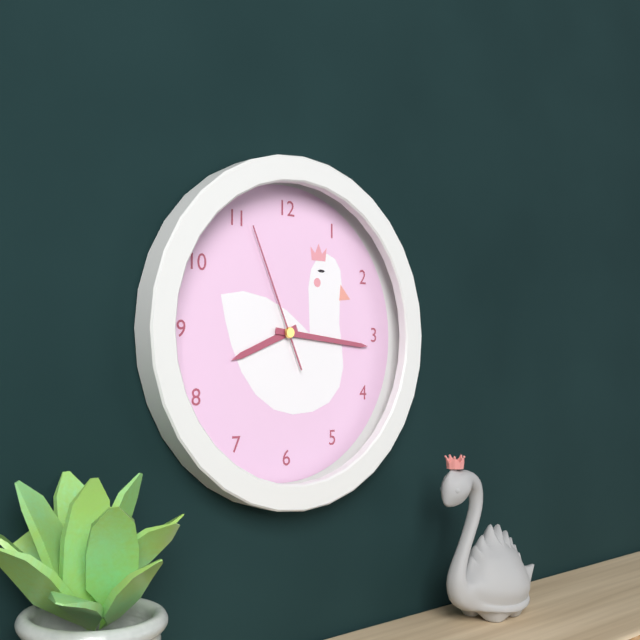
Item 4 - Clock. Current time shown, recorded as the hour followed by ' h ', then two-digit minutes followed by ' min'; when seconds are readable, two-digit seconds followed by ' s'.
8 h 16 min 56 s
